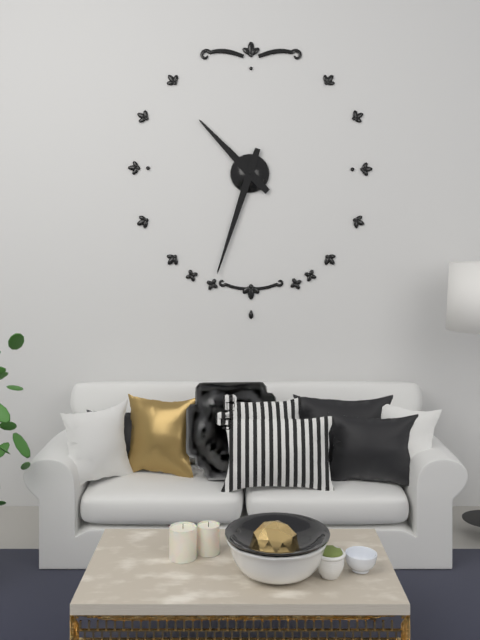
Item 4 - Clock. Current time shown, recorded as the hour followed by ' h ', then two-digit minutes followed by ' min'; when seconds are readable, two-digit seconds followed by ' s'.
10 h 33 min
